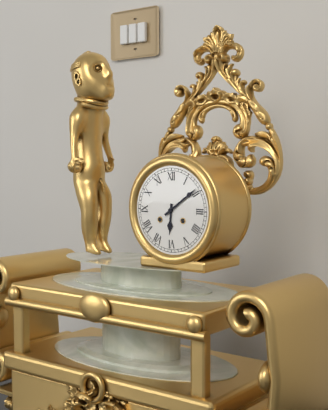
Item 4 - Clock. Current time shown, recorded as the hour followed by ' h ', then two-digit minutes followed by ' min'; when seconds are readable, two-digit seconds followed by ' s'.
6 h 09 min
